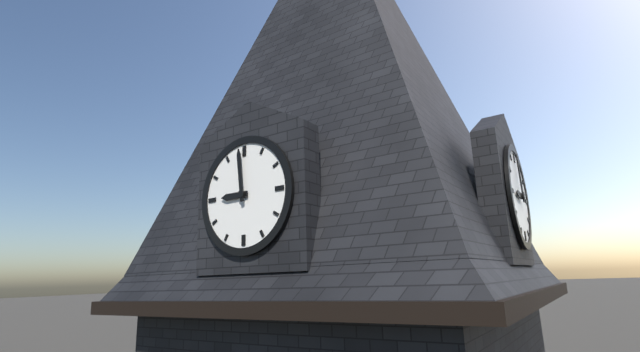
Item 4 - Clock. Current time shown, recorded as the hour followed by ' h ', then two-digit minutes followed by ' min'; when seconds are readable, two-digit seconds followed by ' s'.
8 h 59 min
